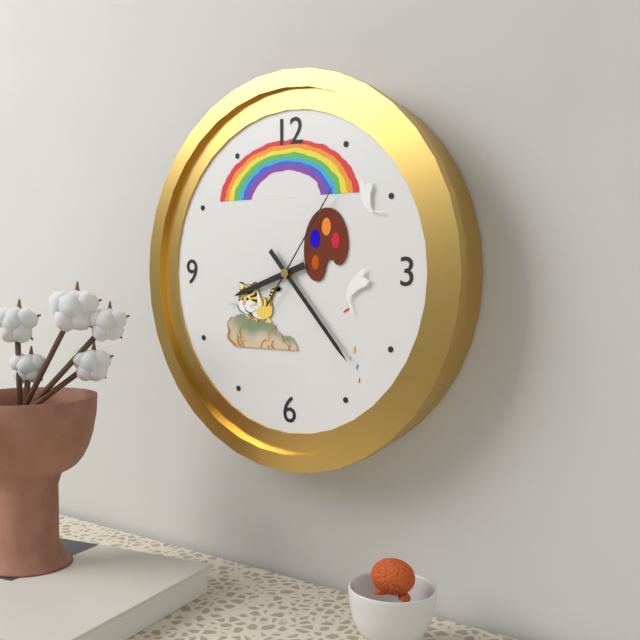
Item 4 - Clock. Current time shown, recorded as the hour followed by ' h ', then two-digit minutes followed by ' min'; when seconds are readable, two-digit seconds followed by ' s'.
8 h 23 min 06 s
